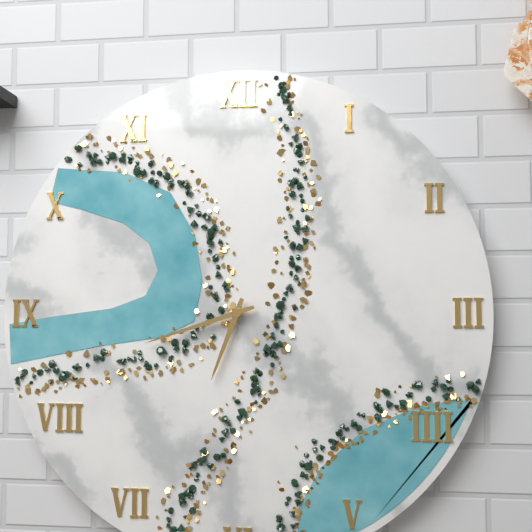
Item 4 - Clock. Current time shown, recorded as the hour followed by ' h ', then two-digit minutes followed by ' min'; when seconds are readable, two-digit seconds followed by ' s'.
6 h 42 min
